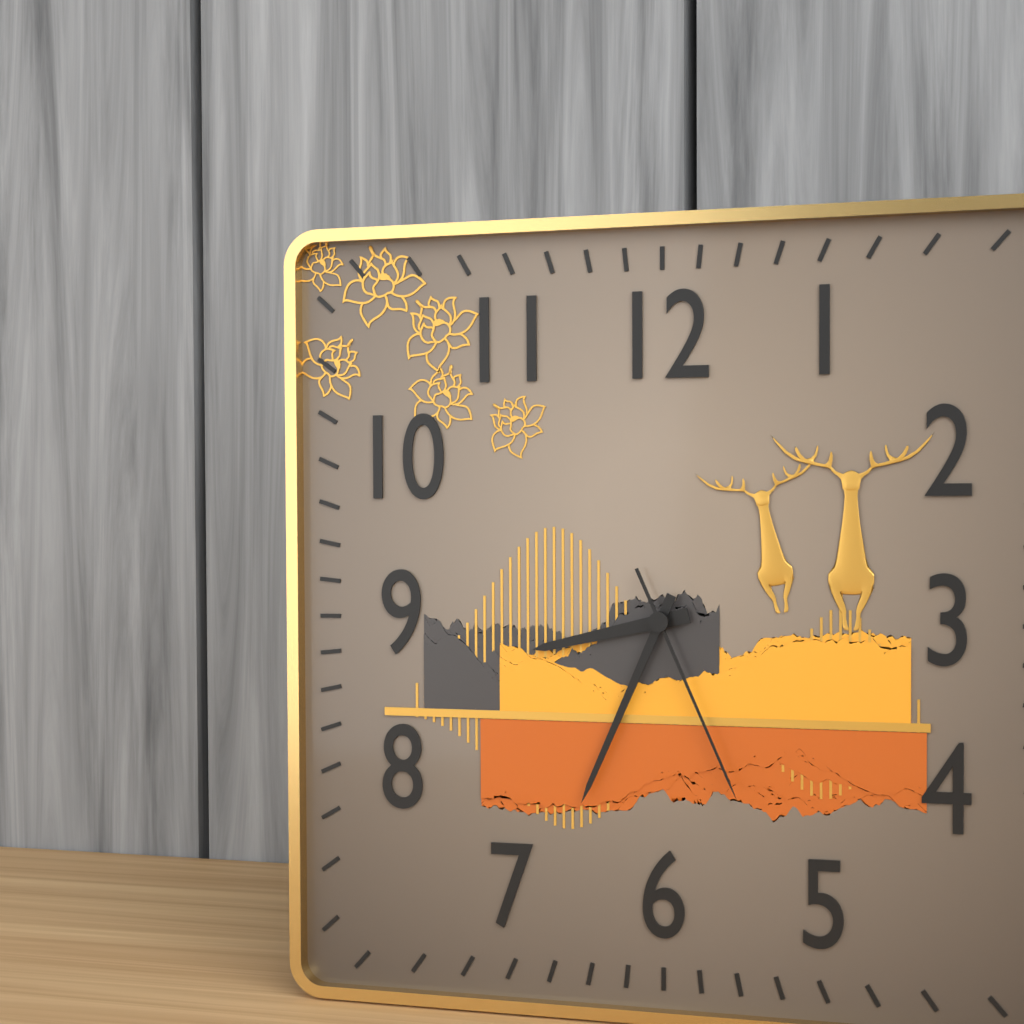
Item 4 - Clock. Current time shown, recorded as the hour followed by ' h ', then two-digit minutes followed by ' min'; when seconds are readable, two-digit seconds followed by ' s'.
8 h 34 min 26 s
